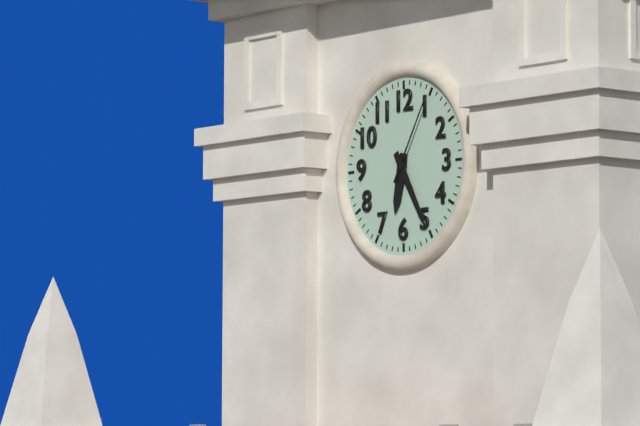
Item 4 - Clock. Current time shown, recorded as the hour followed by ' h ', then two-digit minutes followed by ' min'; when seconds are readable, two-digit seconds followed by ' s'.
6 h 25 min 05 s
